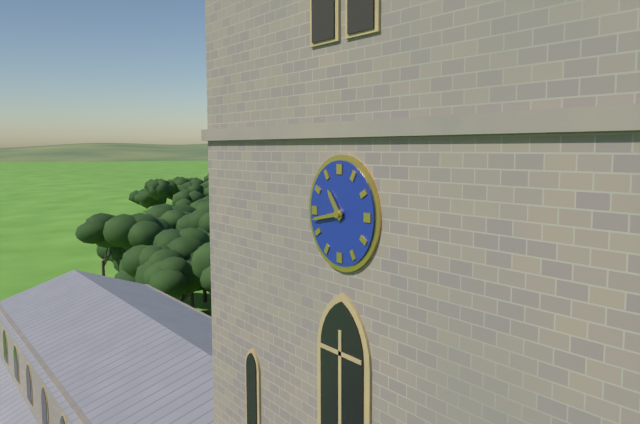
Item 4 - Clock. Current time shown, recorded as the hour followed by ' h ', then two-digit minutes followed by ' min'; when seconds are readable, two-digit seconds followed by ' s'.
10 h 43 min
